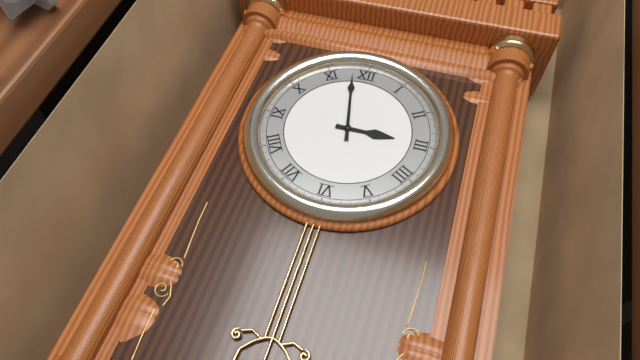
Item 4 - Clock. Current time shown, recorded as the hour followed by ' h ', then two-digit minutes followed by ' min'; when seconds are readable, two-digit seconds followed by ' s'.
2 h 58 min
